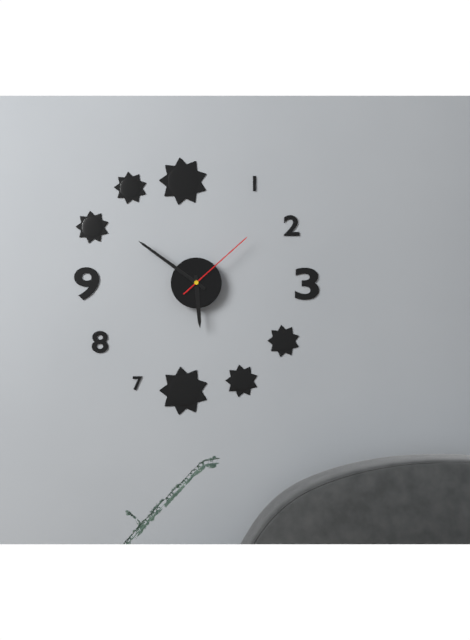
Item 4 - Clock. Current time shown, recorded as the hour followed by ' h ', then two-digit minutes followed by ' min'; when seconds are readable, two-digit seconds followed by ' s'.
5 h 51 min 08 s
